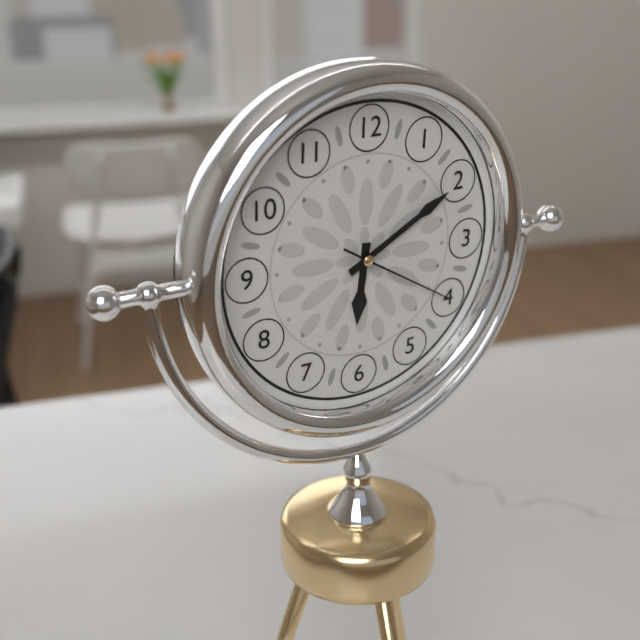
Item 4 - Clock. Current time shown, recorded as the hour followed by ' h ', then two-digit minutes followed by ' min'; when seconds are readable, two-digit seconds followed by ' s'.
6 h 10 min 20 s
